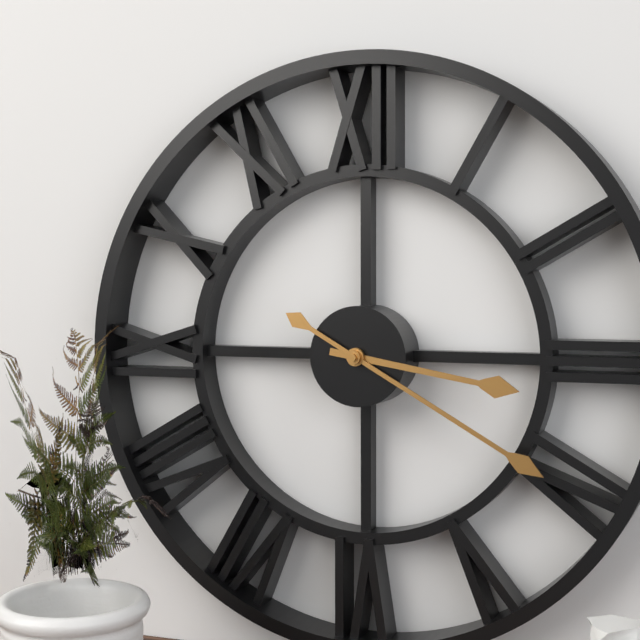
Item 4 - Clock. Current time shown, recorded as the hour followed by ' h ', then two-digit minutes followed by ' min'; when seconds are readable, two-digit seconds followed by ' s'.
3 h 20 min
